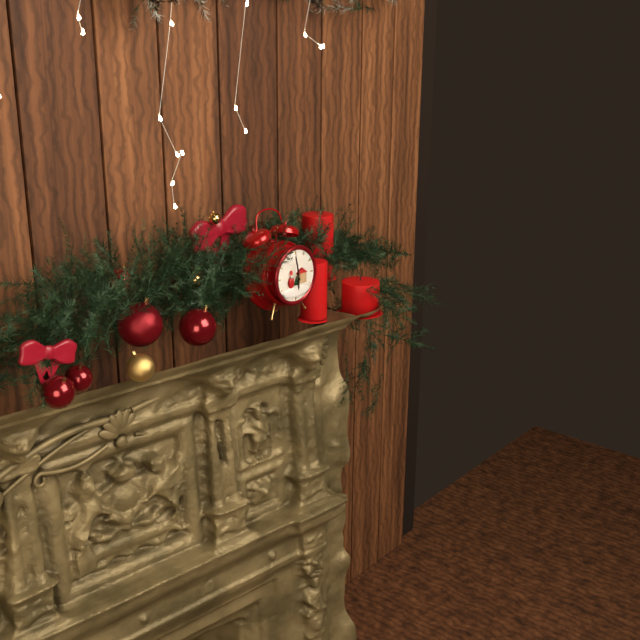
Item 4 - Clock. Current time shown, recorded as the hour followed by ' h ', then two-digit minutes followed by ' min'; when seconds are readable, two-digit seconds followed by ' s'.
5 h 58 min
